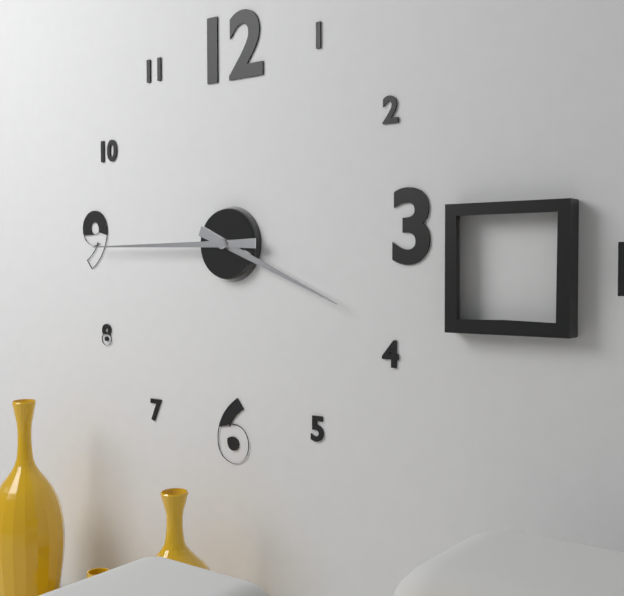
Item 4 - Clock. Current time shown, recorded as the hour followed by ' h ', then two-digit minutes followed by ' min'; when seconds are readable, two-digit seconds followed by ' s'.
3 h 45 min
